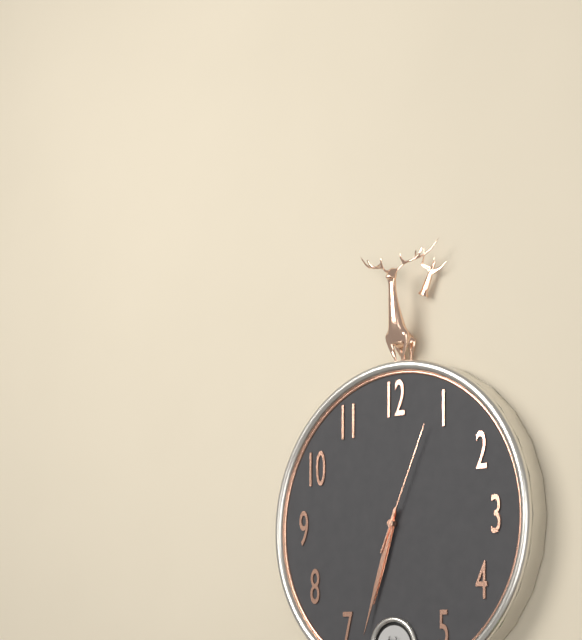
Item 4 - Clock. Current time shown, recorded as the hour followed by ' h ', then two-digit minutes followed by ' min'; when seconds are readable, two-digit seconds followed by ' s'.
6 h 33 min 04 s
